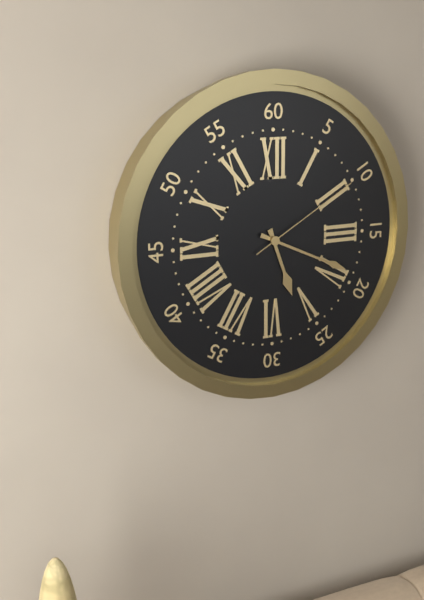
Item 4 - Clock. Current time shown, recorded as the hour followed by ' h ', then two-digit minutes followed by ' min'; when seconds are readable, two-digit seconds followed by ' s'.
5 h 19 min 10 s
